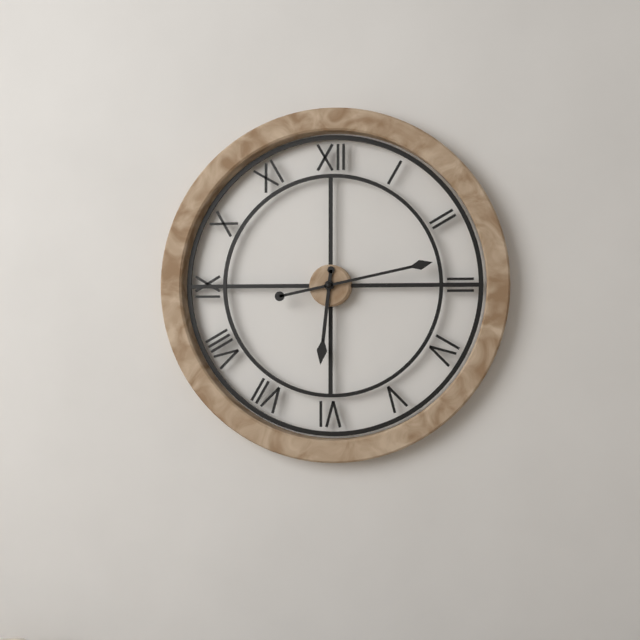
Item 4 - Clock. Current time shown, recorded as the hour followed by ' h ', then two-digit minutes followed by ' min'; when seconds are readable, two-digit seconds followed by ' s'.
6 h 13 min
